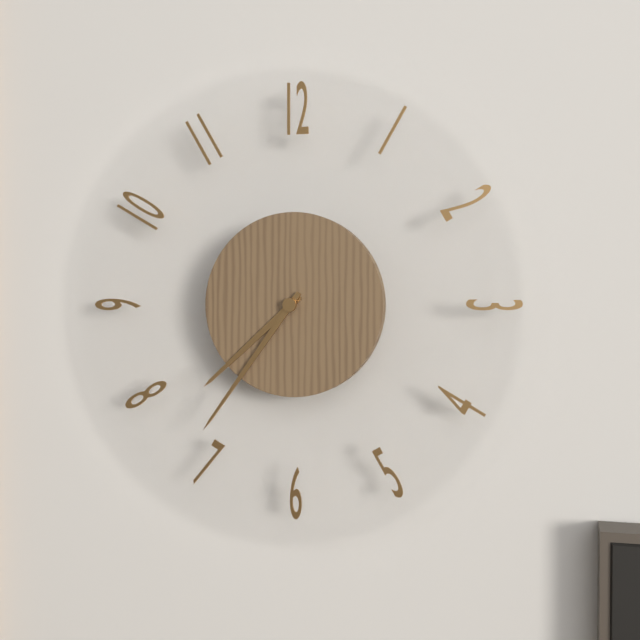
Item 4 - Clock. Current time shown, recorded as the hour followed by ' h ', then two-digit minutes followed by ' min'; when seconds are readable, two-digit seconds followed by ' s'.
7 h 36 min
